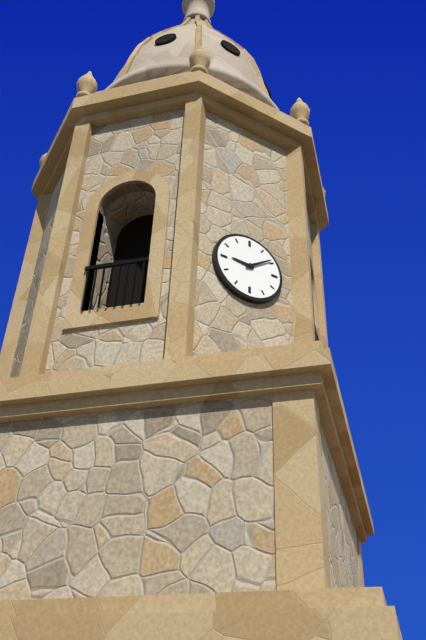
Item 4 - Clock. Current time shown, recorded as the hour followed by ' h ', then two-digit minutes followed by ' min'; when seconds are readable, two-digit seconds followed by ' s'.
9 h 09 min
